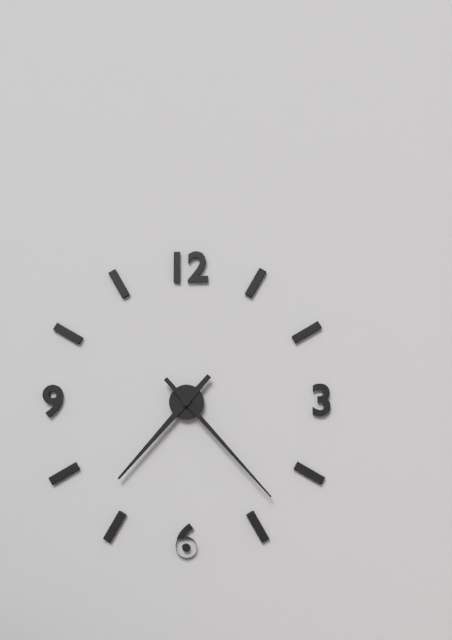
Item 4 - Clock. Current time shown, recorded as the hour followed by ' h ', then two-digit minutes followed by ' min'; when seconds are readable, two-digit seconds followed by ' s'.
7 h 23 min
